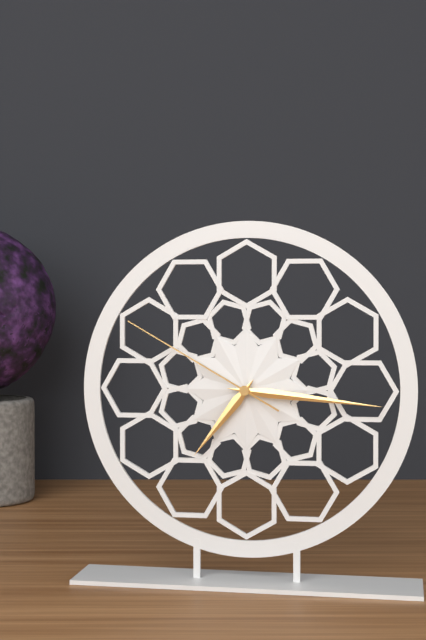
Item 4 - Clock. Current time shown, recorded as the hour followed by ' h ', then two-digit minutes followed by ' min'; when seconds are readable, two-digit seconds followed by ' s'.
7 h 16 min 50 s
